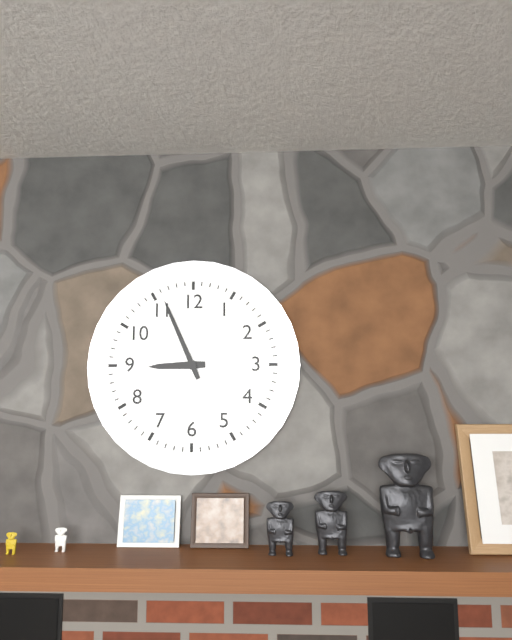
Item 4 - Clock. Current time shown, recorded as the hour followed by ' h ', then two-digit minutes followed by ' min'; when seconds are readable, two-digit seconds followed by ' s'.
8 h 56 min
